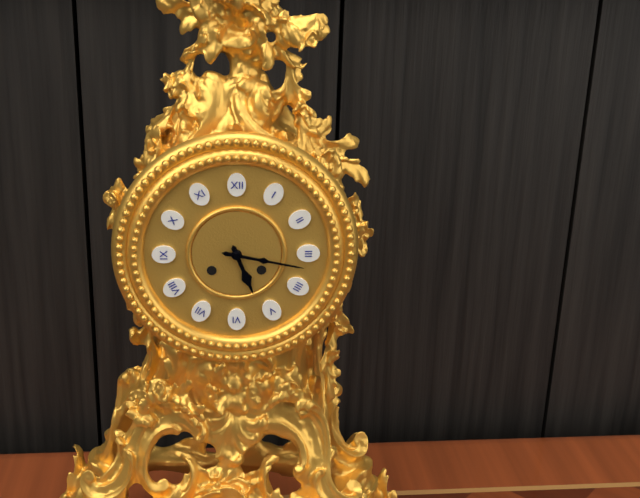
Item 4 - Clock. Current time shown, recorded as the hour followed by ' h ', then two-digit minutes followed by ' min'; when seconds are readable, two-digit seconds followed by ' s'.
5 h 17 min
